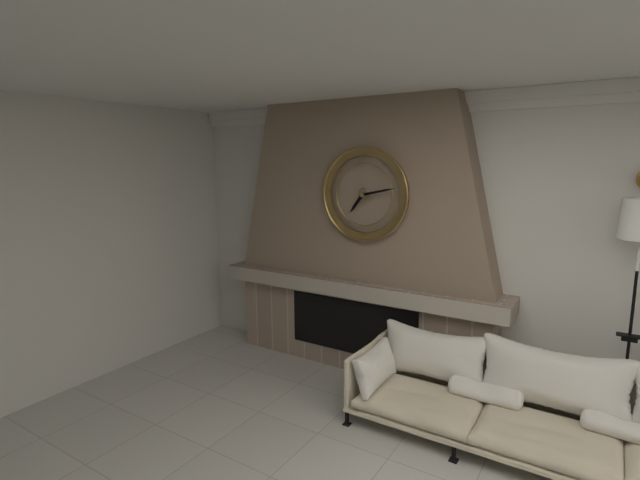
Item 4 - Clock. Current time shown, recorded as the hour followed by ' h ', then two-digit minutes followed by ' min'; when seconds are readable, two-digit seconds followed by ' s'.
7 h 13 min
